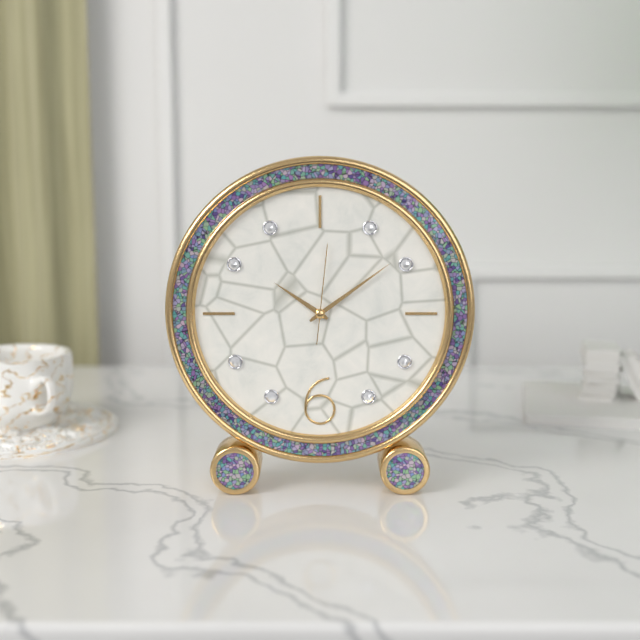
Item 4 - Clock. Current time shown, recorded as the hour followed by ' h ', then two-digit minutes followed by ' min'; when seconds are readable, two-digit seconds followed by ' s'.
10 h 09 min 01 s
